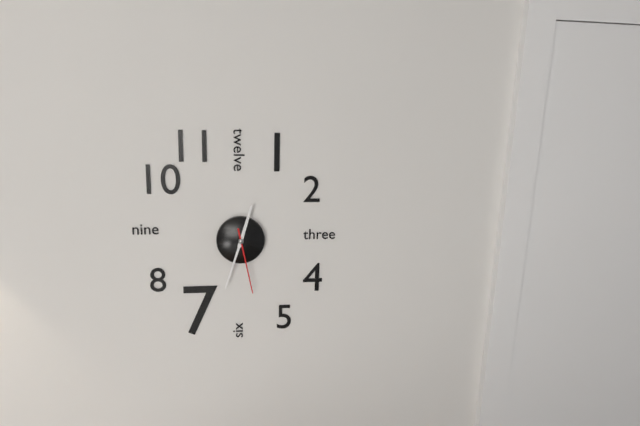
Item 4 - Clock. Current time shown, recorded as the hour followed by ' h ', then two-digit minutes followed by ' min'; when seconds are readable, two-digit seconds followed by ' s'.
12 h 33 min 28 s
